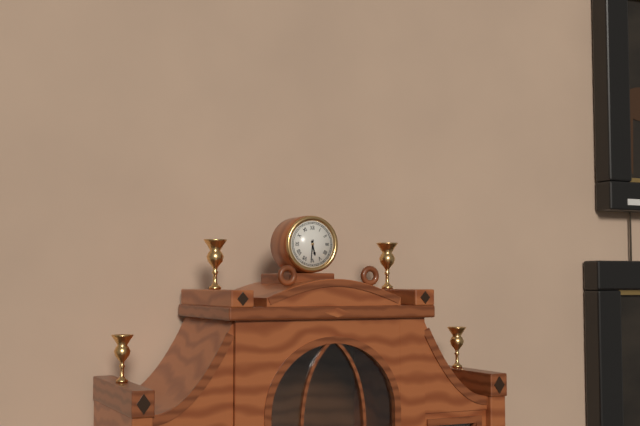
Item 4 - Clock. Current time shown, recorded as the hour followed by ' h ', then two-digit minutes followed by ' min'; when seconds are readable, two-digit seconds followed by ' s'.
5 h 31 min
